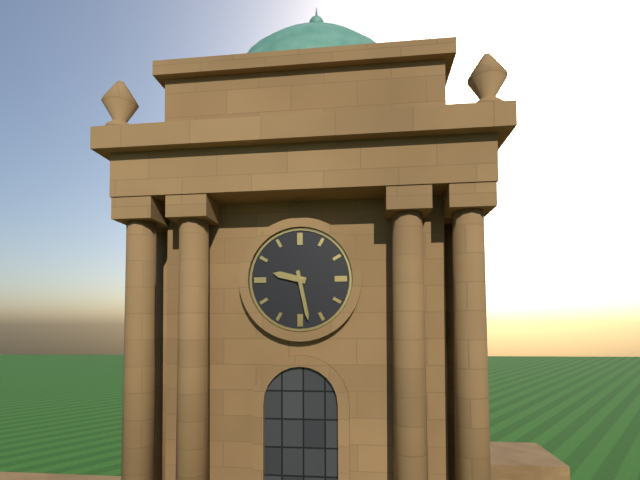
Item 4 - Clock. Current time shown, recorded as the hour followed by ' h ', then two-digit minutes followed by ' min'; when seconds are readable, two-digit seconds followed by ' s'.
9 h 28 min
